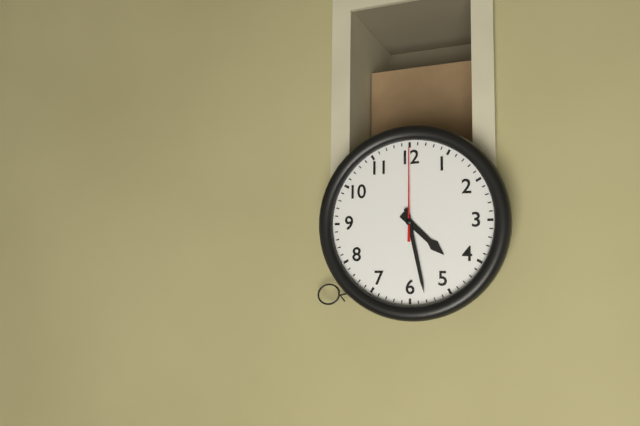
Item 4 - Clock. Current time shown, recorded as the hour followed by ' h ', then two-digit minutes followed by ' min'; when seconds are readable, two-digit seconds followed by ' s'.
4 h 28 min 00 s
